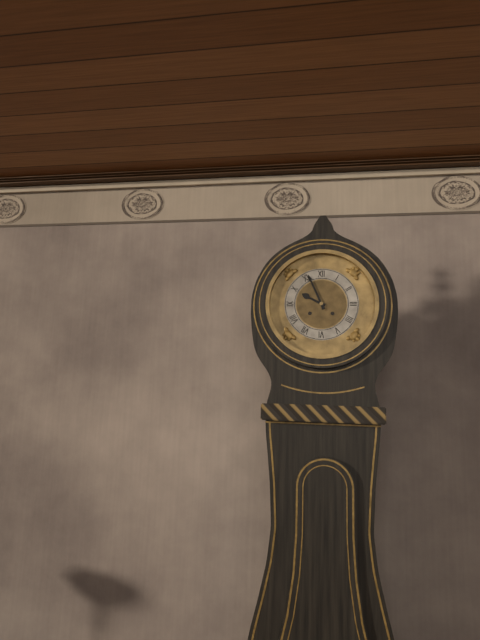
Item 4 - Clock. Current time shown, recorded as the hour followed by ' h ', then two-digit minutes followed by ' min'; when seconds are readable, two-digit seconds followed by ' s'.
9 h 56 min
